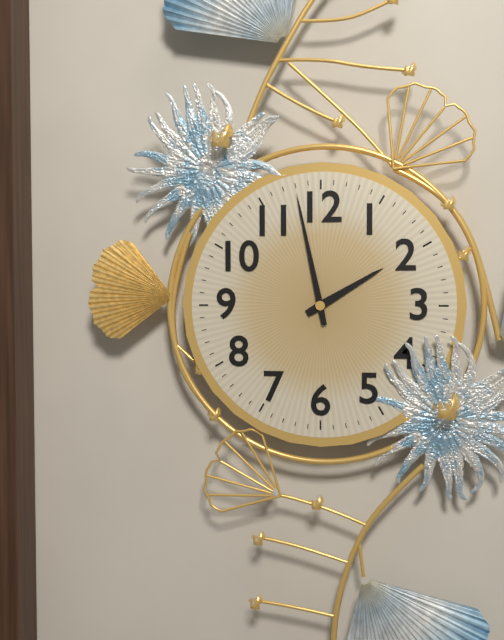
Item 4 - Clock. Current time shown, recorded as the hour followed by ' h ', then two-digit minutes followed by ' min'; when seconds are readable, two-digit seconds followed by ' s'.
1 h 58 min
